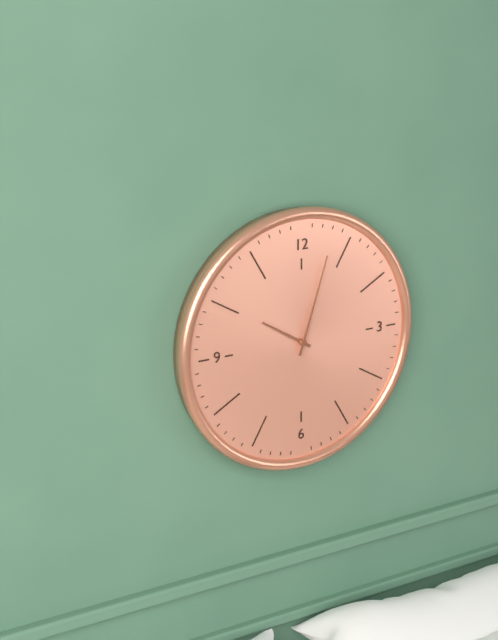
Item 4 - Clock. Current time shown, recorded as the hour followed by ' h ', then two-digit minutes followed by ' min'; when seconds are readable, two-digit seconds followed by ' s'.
10 h 03 min
